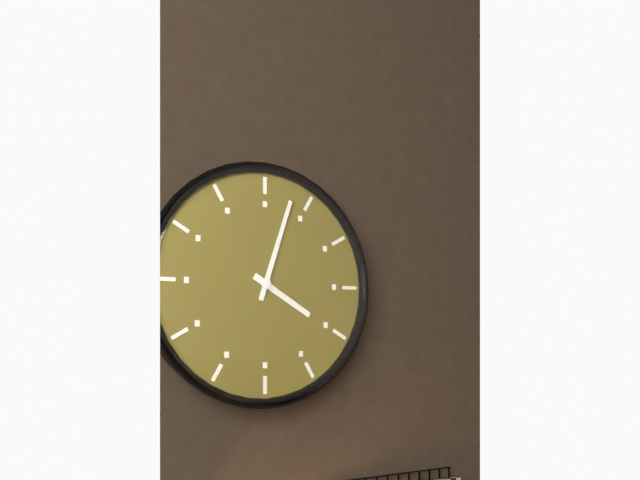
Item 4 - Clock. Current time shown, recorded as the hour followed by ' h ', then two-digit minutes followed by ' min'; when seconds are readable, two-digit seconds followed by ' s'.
4 h 03 min
